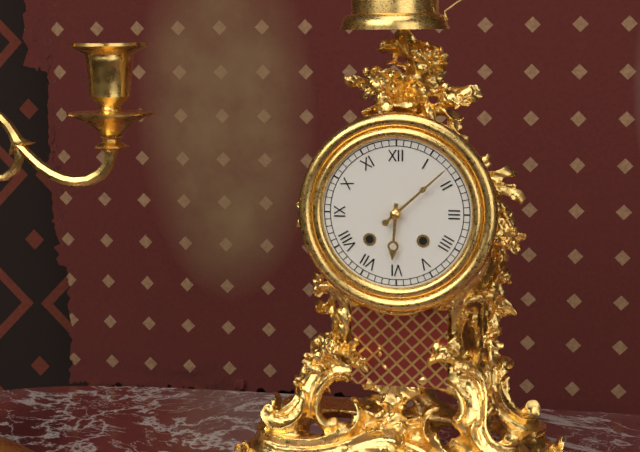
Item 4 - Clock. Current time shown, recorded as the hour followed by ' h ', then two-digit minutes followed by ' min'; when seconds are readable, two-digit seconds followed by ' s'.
6 h 08 min
